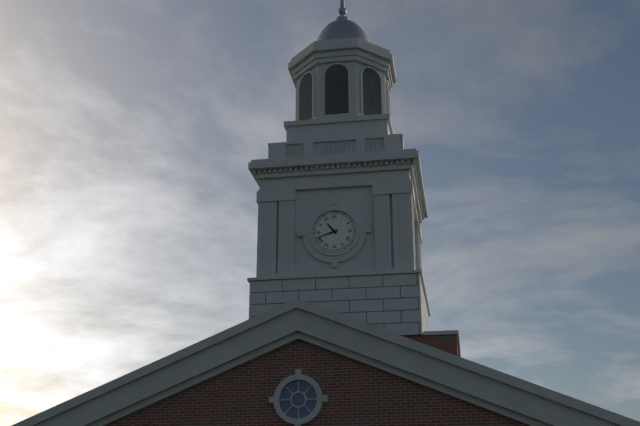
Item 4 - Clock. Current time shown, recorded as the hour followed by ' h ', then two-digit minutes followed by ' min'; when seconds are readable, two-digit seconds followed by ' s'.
10 h 42 min
